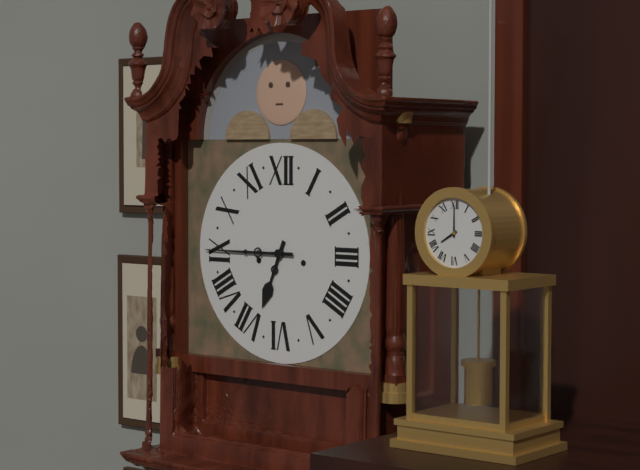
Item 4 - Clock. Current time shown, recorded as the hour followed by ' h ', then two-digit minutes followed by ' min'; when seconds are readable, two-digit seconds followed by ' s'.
6 h 45 min
